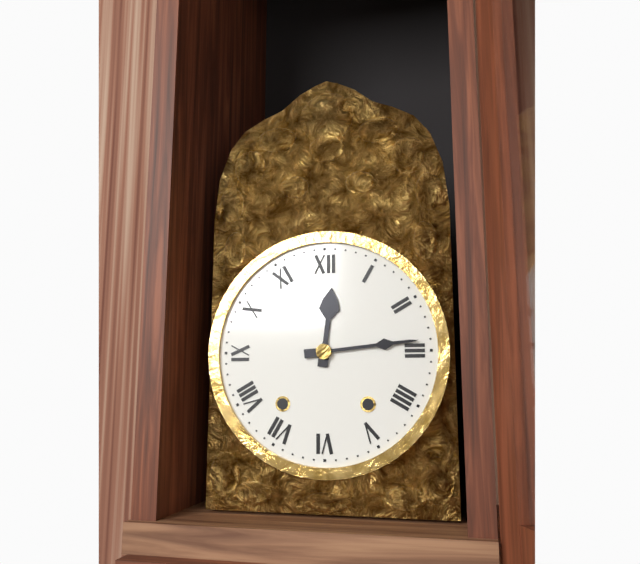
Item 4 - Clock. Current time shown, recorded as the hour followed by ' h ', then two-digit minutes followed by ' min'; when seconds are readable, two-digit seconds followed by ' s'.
12 h 14 min
